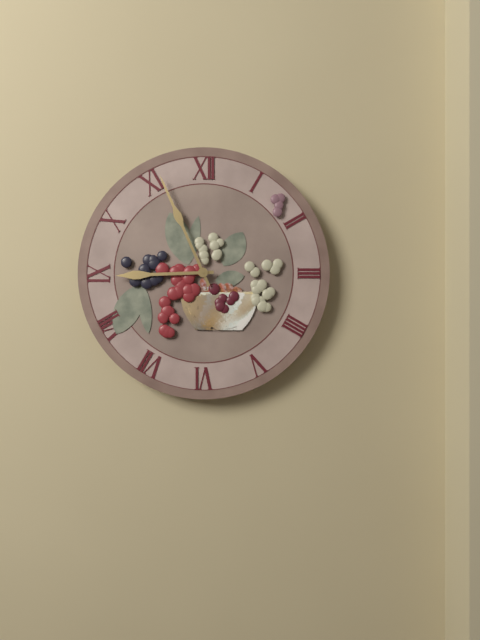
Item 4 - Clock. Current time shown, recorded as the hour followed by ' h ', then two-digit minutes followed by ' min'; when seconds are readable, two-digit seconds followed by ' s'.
8 h 56 min
